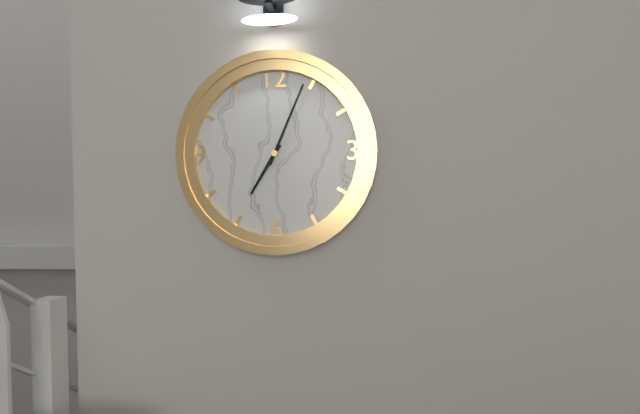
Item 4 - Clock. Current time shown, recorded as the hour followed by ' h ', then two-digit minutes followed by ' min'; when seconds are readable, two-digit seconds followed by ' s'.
7 h 04 min
